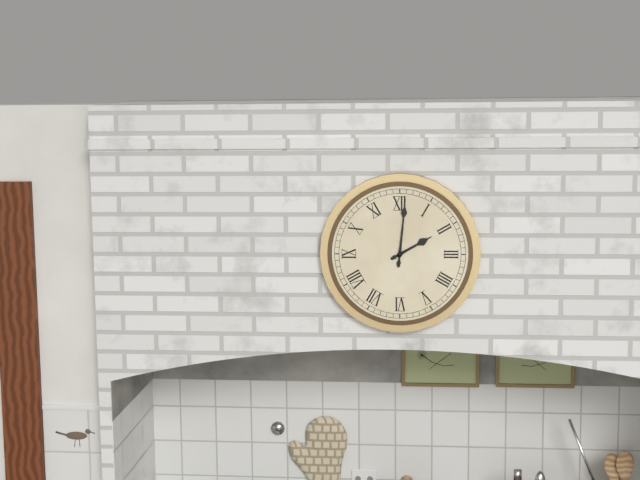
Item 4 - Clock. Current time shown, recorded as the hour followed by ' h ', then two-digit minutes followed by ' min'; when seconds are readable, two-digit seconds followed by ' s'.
2 h 01 min
